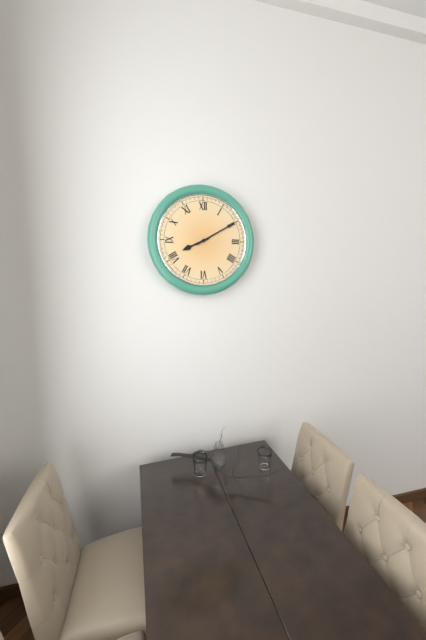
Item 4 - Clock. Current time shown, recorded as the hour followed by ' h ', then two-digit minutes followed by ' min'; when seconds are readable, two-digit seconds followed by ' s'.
8 h 10 min
